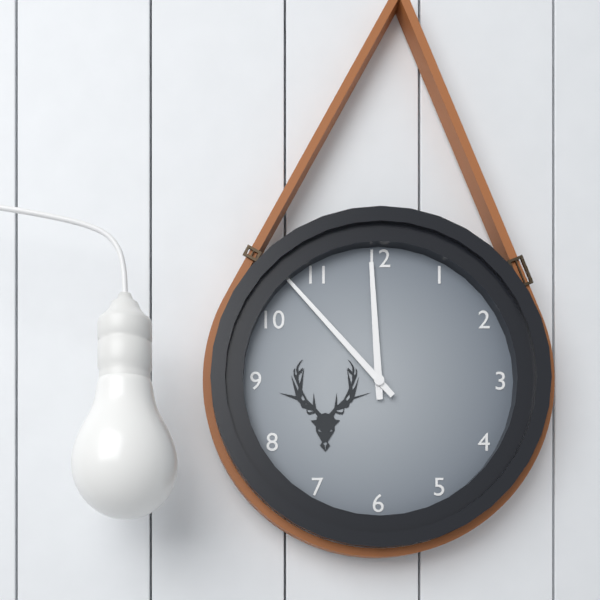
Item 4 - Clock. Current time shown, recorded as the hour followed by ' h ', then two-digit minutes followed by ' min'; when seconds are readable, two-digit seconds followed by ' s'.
11 h 53 min
